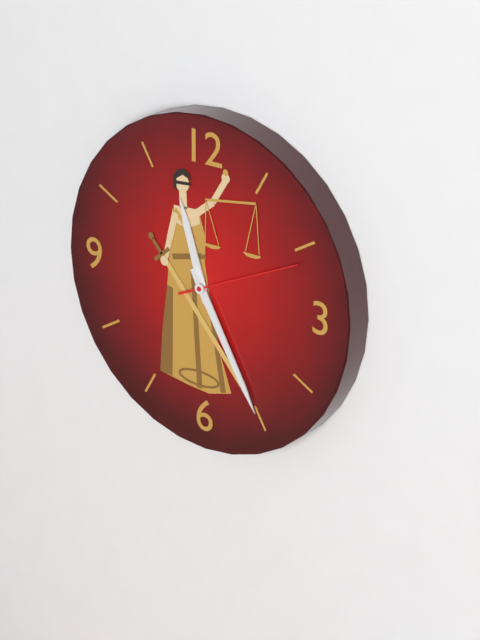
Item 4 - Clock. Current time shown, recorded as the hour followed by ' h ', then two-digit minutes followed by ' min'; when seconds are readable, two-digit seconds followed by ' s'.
11 h 25 min 11 s
